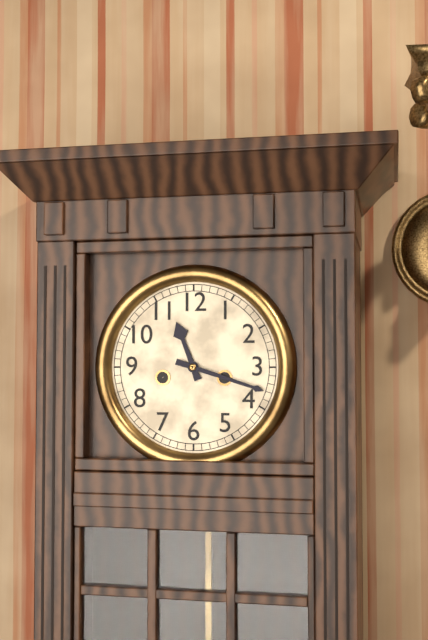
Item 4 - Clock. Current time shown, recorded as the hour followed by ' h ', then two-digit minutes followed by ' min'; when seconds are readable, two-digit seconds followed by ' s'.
11 h 18 min
